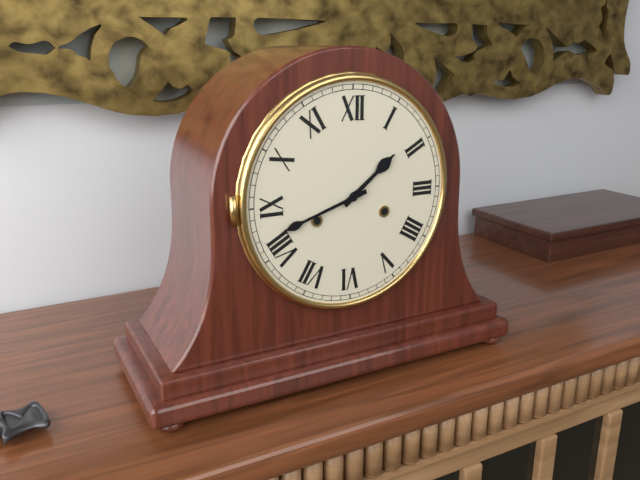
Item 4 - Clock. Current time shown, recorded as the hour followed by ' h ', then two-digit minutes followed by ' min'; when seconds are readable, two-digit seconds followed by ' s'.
1 h 42 min
